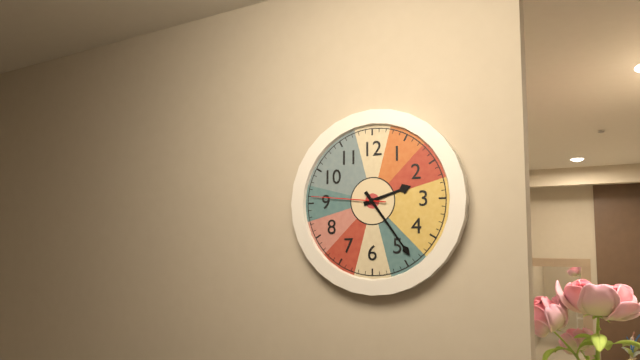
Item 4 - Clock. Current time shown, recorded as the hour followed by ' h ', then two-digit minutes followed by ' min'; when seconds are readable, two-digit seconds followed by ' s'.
2 h 24 min 46 s
